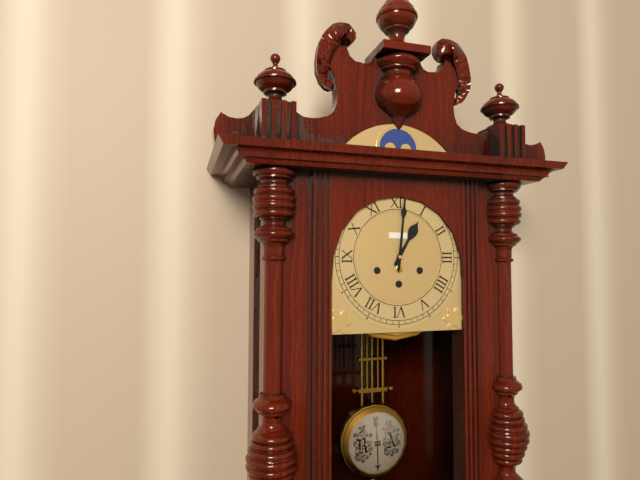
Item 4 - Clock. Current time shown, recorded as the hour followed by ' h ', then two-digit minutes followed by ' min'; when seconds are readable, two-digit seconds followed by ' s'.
1 h 01 min
